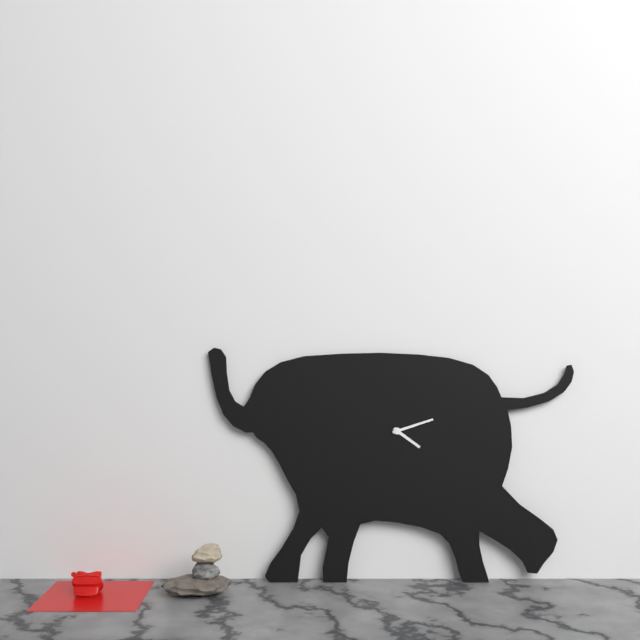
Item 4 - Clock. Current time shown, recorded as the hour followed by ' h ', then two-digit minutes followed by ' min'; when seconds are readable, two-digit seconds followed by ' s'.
4 h 12 min
